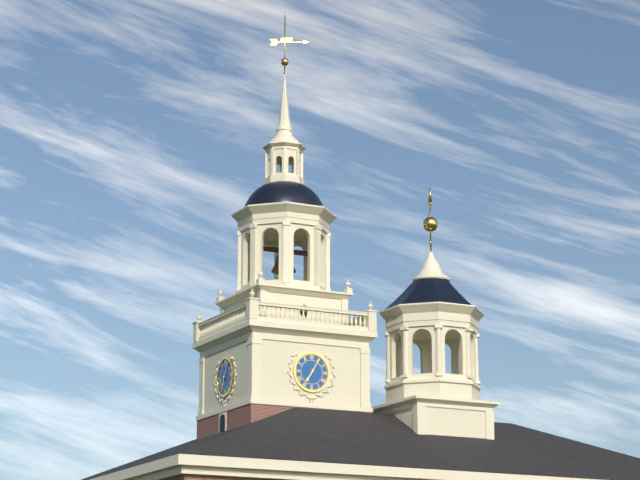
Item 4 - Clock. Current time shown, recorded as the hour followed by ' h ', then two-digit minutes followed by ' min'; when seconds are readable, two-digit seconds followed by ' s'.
7 h 05 min
